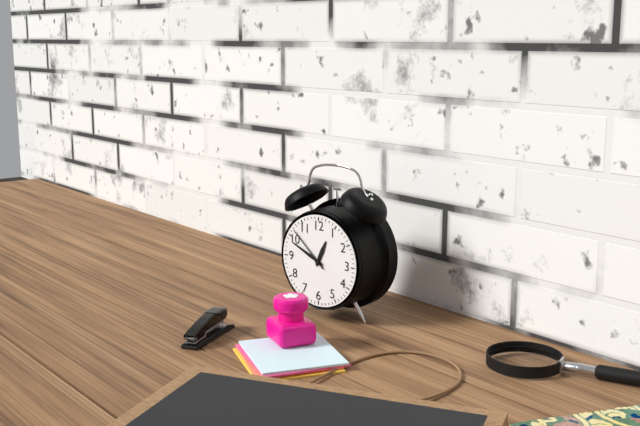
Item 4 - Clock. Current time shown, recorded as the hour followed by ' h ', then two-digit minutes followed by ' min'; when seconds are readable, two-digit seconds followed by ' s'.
12 h 49 min
